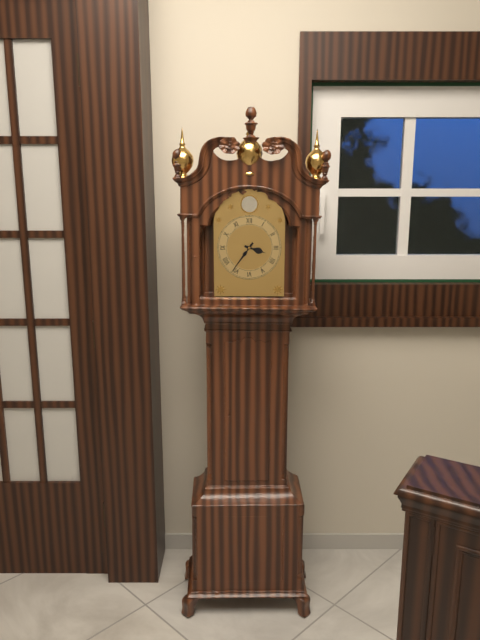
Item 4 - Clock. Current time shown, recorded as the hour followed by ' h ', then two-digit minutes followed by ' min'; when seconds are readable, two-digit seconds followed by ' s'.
3 h 36 min
